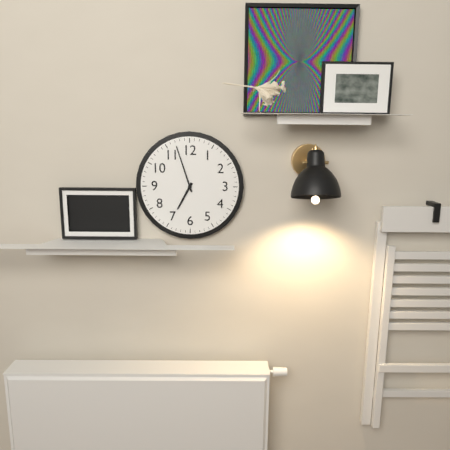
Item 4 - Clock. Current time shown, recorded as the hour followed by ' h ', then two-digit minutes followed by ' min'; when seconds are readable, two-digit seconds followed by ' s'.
6 h 57 min
